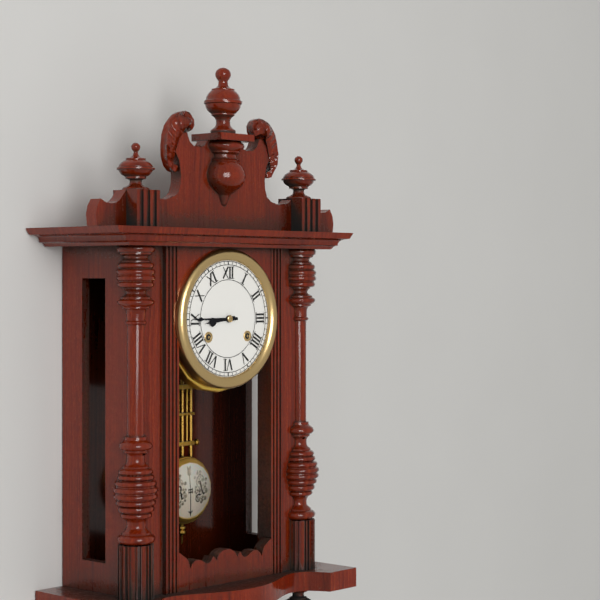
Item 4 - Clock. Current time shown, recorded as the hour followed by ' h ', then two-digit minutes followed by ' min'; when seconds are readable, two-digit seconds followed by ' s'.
8 h 45 min
